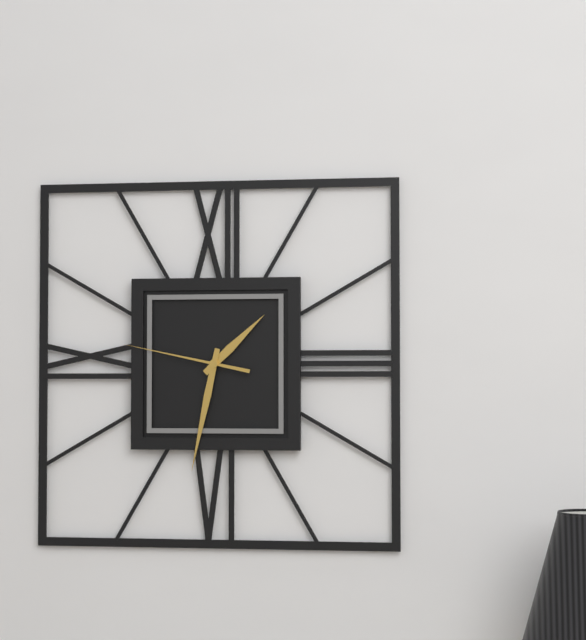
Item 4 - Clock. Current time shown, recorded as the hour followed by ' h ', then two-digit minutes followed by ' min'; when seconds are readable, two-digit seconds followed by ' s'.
1 h 32 min 47 s
